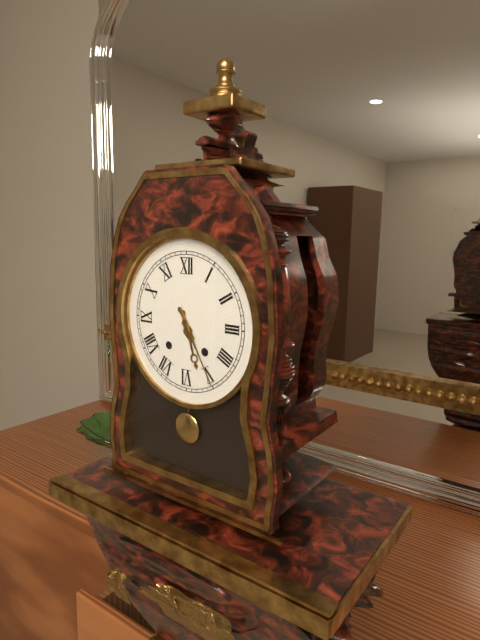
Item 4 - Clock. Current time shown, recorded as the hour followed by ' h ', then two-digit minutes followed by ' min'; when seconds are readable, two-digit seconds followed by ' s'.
5 h 25 min
